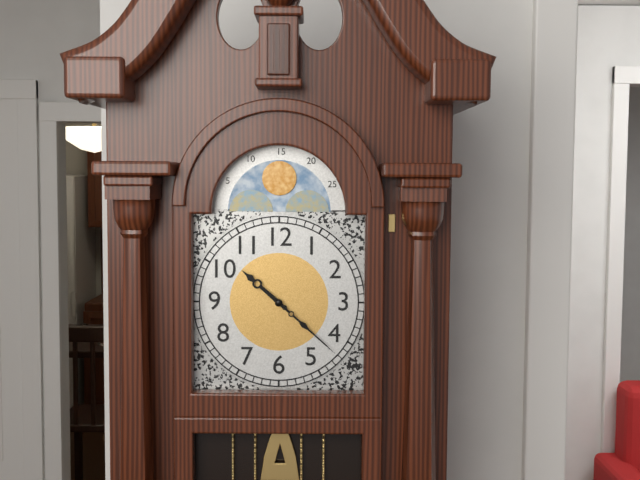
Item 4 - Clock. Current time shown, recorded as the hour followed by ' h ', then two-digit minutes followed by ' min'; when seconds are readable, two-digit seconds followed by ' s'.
10 h 22 min
